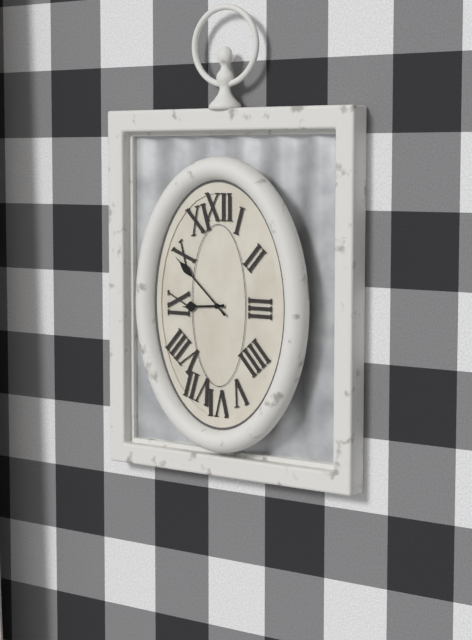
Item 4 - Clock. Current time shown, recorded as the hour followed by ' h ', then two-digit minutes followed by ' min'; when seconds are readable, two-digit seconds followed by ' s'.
8 h 52 min
